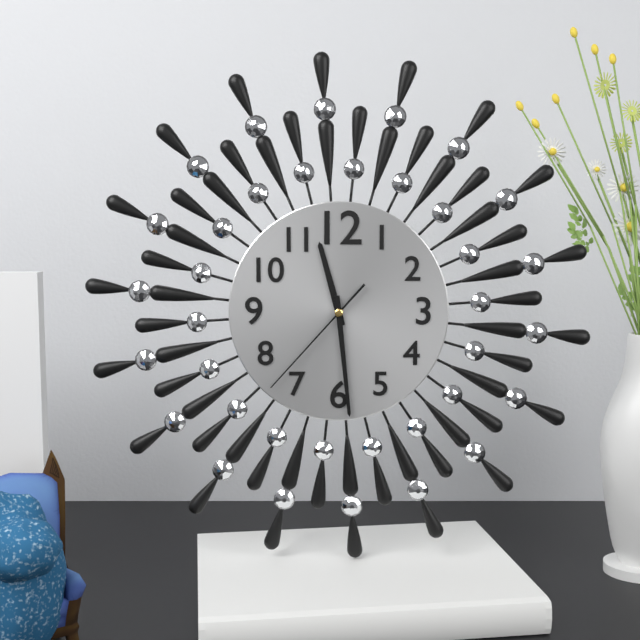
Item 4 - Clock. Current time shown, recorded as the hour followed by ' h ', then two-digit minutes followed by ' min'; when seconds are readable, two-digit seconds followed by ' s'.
11 h 29 min 37 s
